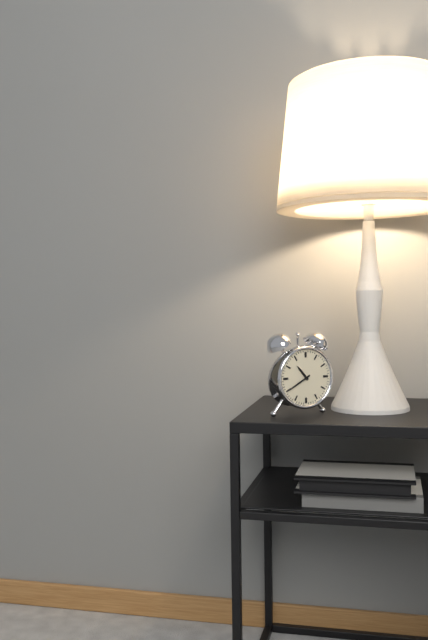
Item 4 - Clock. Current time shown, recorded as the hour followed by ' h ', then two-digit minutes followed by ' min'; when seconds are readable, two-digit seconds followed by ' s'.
10 h 40 min
